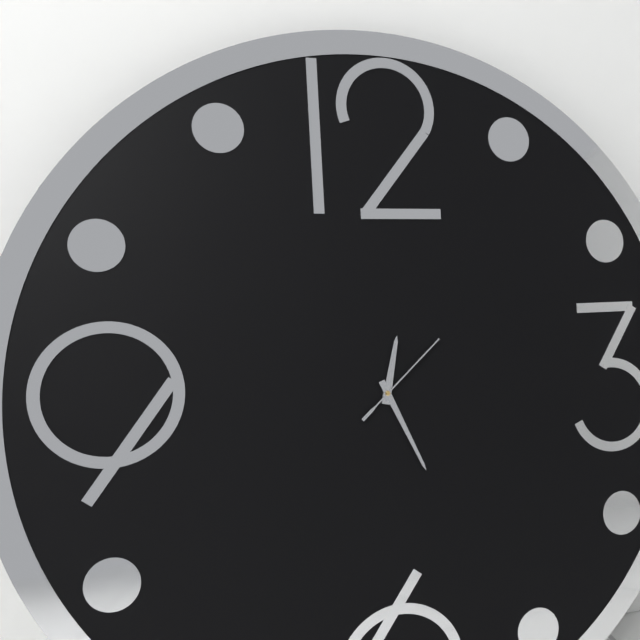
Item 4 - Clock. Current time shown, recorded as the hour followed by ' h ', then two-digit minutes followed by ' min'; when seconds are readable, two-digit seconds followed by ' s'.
12 h 26 min 08 s
